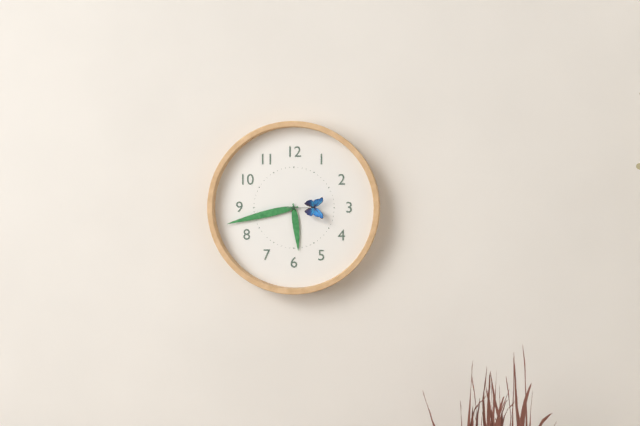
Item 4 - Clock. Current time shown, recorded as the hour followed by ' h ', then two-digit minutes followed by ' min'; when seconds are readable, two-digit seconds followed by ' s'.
5 h 43 min
